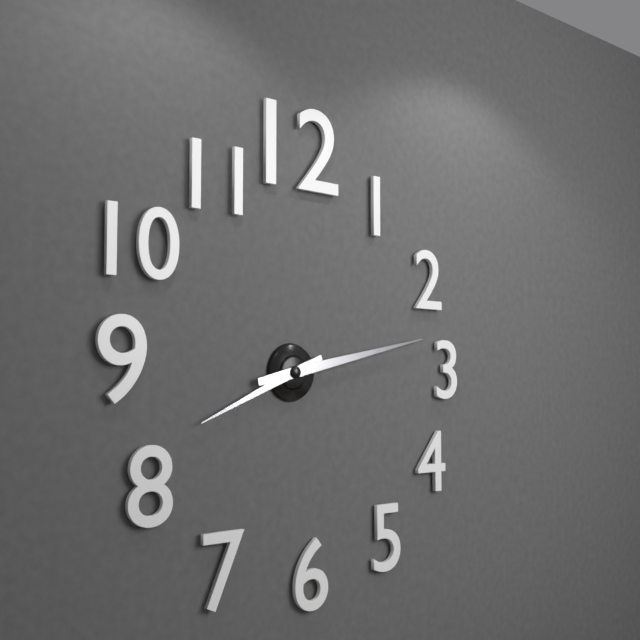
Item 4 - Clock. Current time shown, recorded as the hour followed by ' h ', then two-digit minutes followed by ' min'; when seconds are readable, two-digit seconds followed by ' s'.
8 h 13 min
